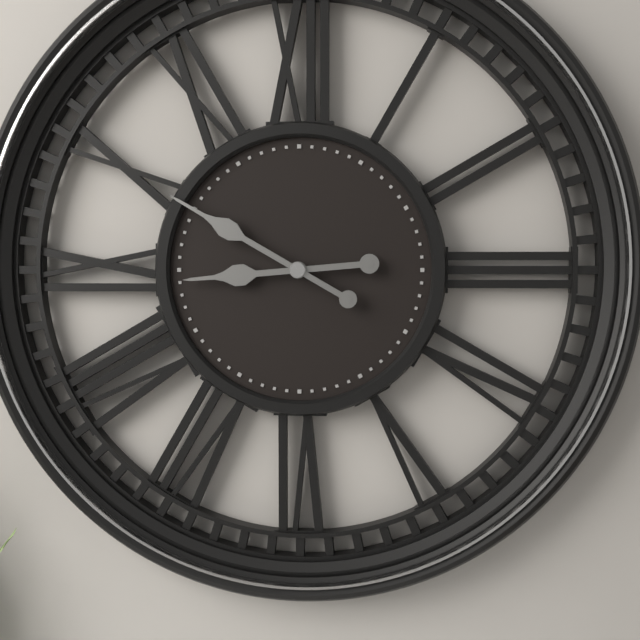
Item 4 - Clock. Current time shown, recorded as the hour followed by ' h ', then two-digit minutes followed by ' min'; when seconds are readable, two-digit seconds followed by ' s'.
8 h 50 min
